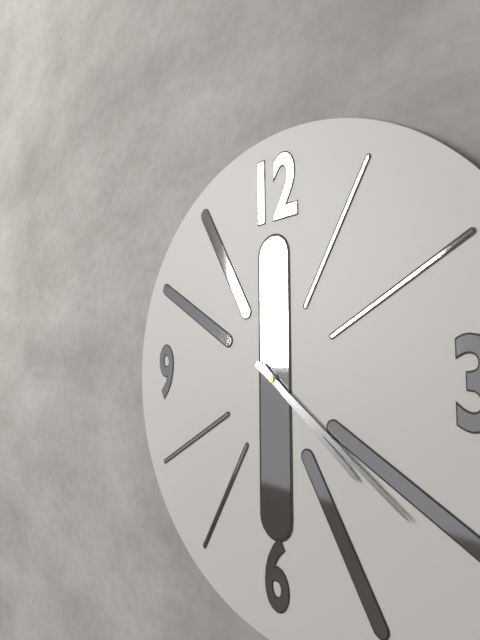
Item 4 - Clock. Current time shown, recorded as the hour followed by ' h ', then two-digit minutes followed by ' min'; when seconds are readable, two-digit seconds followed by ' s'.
4 h 21 min
